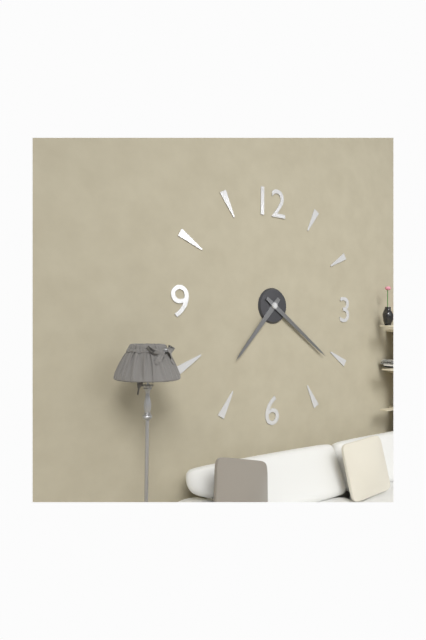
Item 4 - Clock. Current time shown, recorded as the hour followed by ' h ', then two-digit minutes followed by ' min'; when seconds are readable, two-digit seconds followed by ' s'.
7 h 21 min
